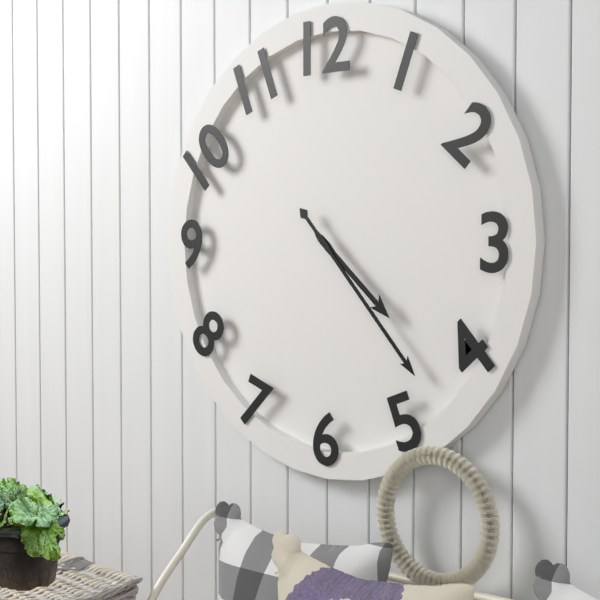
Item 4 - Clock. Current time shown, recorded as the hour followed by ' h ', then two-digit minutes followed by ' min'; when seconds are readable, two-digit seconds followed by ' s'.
4 h 23 min
